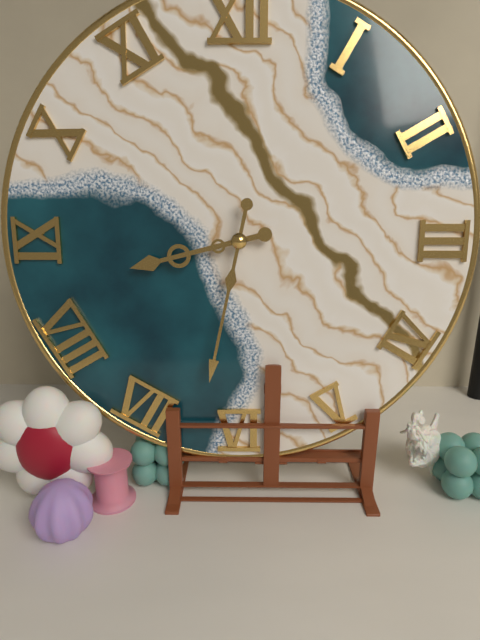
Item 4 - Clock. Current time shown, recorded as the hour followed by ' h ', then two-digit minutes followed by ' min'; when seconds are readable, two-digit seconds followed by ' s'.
8 h 32 min
